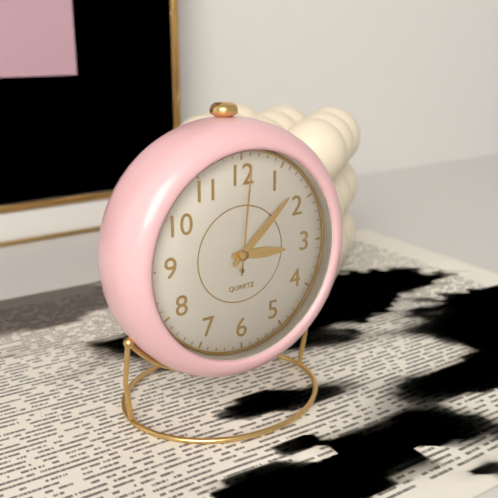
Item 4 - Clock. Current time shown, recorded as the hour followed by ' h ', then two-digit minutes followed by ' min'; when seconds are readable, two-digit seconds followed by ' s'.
3 h 08 min 01 s
